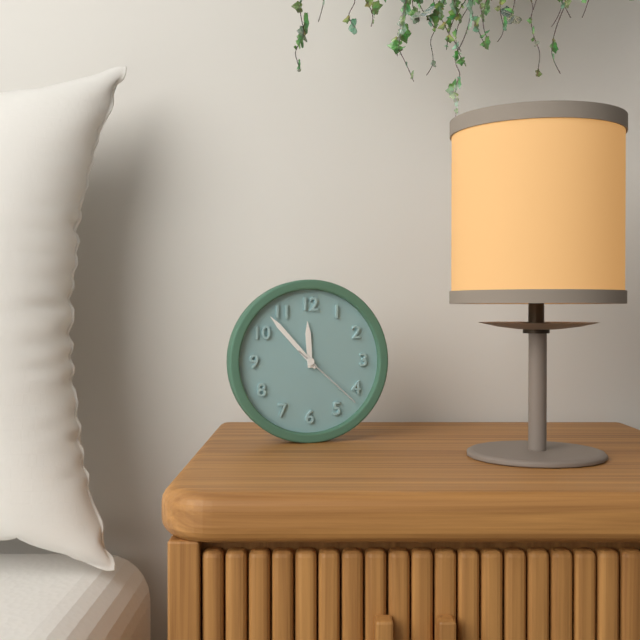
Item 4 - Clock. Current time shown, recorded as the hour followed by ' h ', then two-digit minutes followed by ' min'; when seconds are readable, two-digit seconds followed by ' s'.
11 h 53 min 22 s
